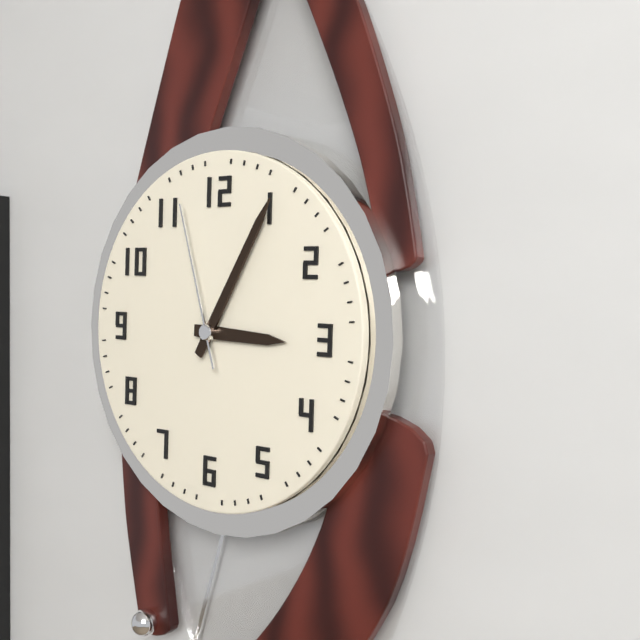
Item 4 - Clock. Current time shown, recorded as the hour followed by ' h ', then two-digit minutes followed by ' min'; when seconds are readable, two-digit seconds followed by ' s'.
3 h 05 min 57 s
